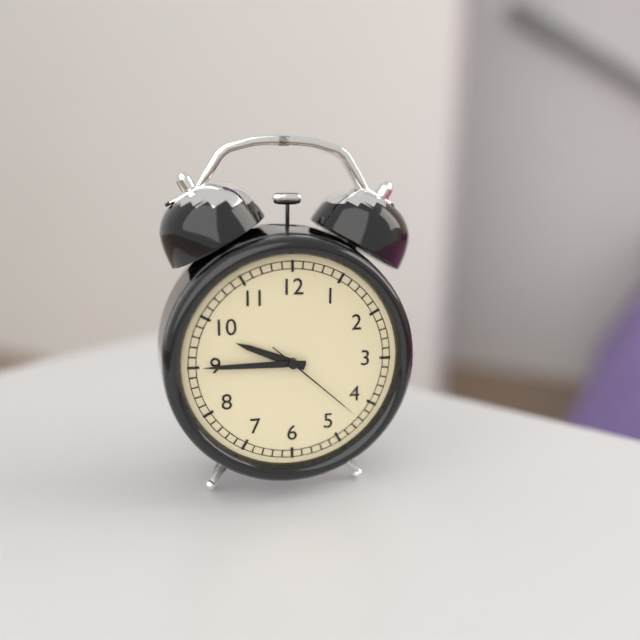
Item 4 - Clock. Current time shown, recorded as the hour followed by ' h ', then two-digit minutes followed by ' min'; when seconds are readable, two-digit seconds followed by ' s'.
9 h 45 min 22 s
